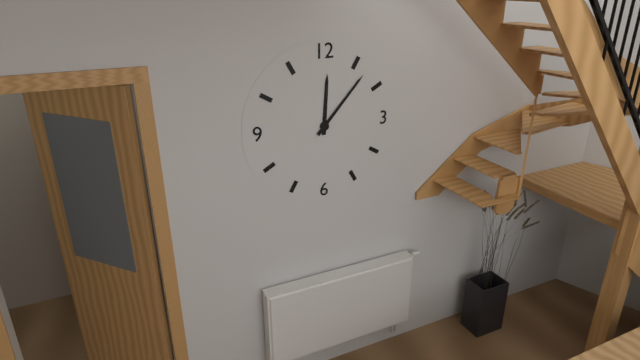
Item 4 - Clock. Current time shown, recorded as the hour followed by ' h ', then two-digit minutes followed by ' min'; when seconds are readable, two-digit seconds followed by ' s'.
12 h 07 min
